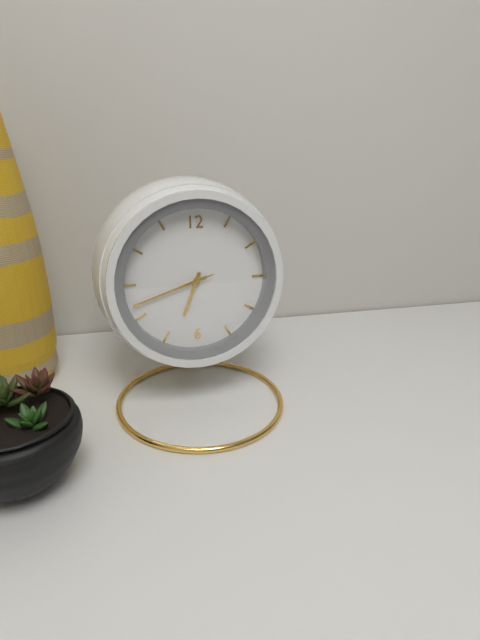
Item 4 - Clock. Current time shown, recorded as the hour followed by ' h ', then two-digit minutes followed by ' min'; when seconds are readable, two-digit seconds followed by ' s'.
6 h 42 min 42 s
